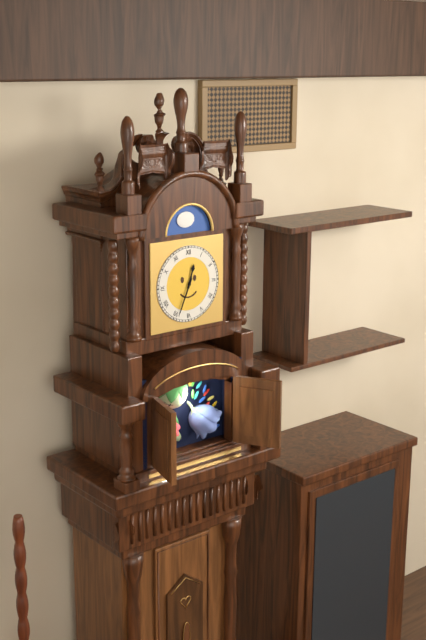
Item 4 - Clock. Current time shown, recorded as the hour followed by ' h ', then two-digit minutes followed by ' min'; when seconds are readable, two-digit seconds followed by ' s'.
12 h 34 min
